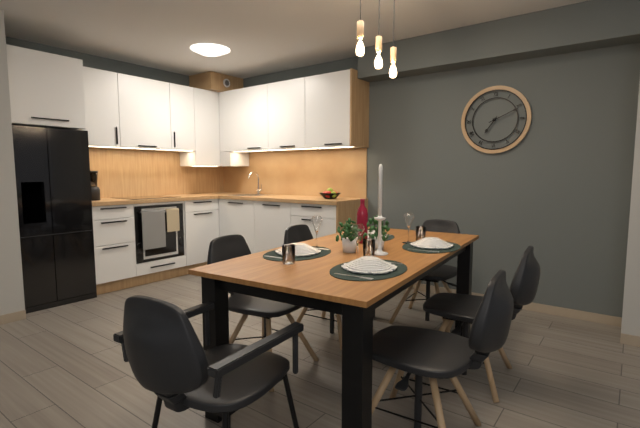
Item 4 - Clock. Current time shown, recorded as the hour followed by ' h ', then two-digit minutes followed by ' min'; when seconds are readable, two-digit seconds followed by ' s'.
7 h 11 min
